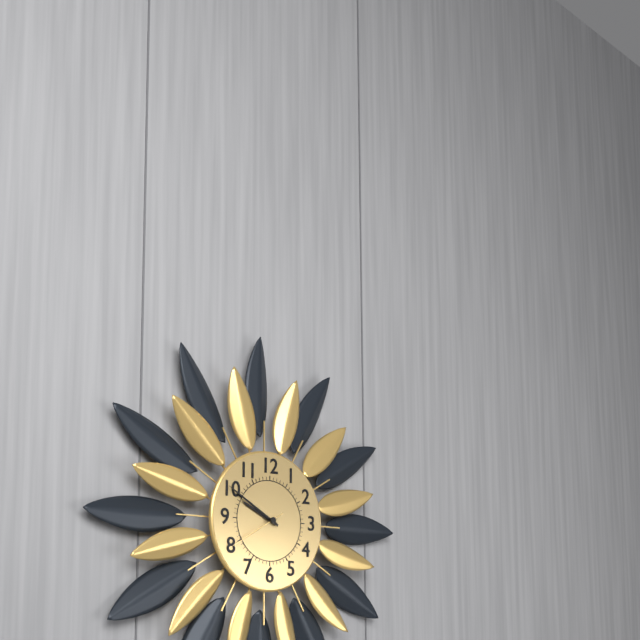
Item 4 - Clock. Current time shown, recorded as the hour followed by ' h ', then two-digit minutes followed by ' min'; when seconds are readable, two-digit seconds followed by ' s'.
9 h 50 min 40 s
